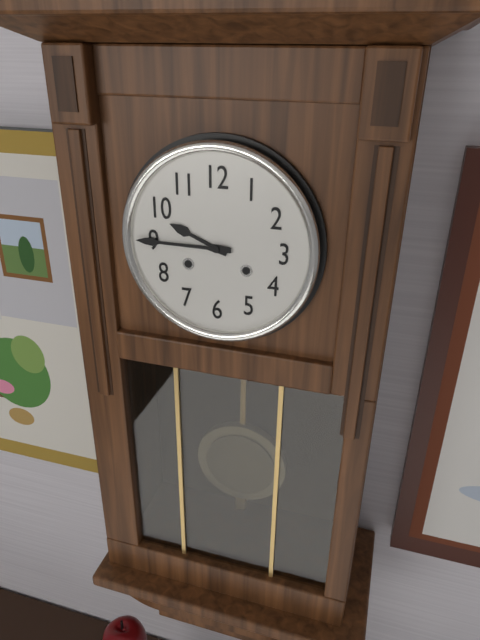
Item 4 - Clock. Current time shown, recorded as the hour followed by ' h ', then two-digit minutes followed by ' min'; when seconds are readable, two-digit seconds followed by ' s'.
9 h 45 min
